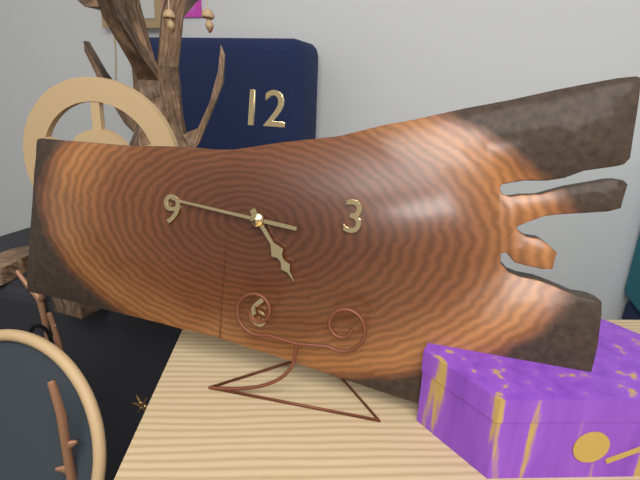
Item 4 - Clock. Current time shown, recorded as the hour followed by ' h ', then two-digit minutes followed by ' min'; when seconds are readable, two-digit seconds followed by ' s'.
4 h 46 min
